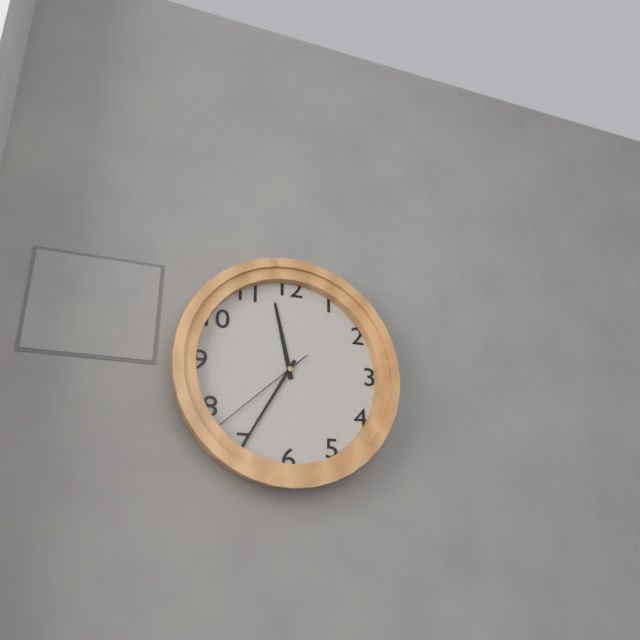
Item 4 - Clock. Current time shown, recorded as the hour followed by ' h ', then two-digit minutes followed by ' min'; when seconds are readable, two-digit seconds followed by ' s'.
11 h 35 min 38 s
